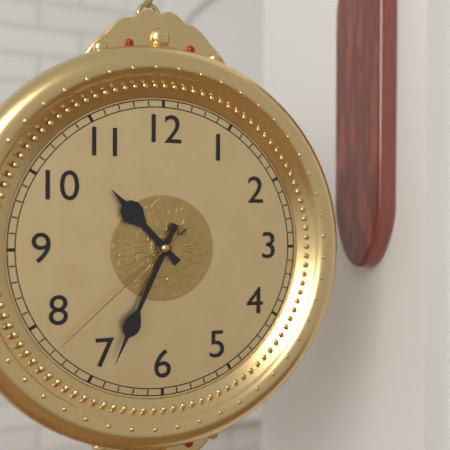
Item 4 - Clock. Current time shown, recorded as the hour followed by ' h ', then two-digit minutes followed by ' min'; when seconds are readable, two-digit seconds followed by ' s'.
10 h 34 min 38 s
